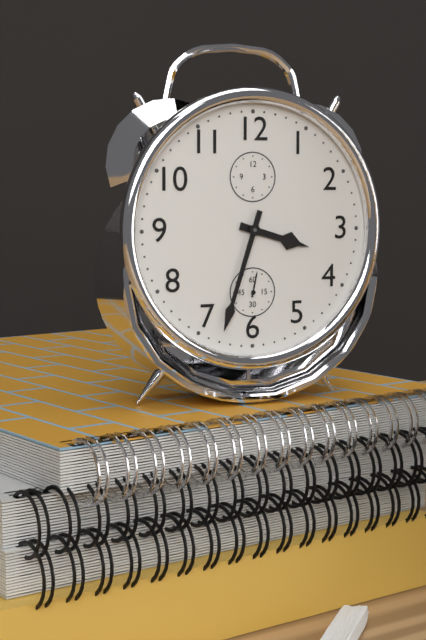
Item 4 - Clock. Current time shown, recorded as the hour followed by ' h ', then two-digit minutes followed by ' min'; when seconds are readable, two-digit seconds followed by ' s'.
3 h 33 min
